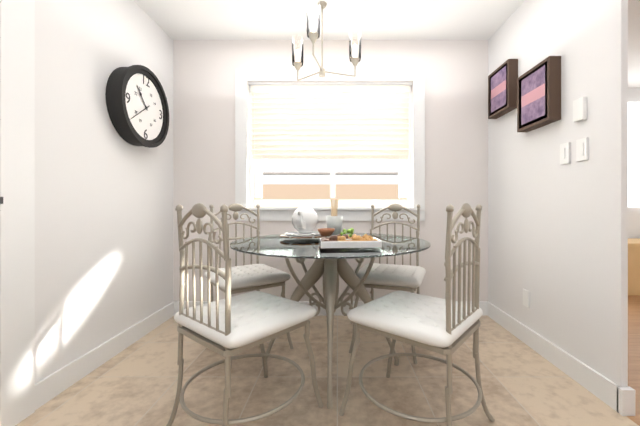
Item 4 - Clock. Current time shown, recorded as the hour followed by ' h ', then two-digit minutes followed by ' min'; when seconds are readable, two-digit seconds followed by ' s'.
10 h 39 min
